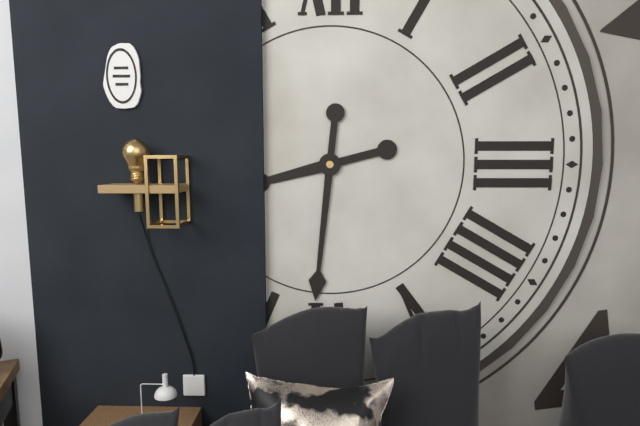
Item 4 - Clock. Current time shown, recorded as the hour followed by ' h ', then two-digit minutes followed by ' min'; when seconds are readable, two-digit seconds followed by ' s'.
8 h 31 min
